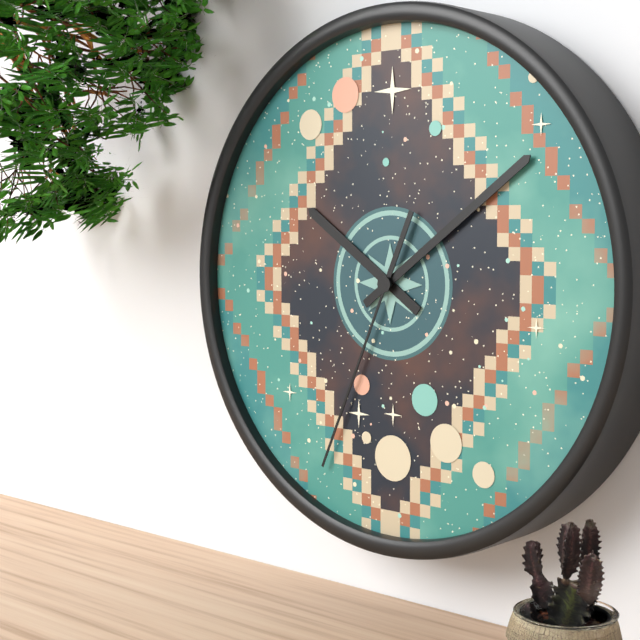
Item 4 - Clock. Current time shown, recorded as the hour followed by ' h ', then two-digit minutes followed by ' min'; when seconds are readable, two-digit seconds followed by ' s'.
10 h 09 min 34 s
